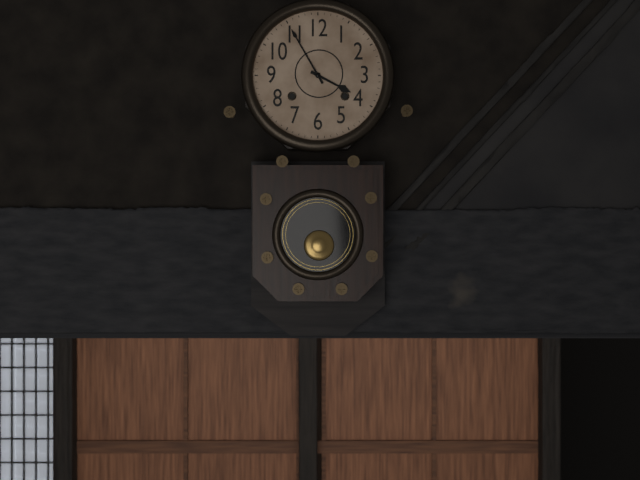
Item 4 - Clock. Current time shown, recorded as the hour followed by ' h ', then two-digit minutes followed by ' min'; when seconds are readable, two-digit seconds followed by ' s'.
3 h 55 min
